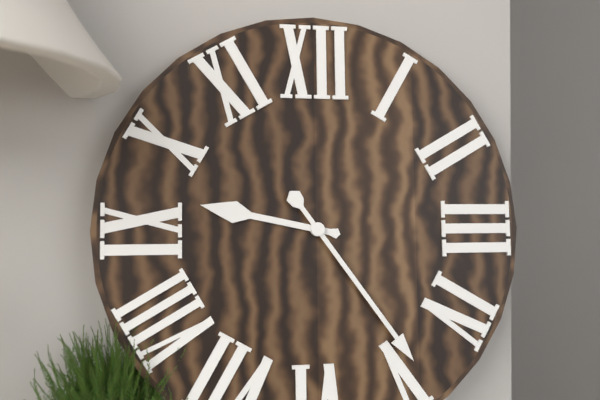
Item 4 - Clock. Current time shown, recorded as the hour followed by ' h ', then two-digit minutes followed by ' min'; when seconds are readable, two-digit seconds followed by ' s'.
9 h 24 min
